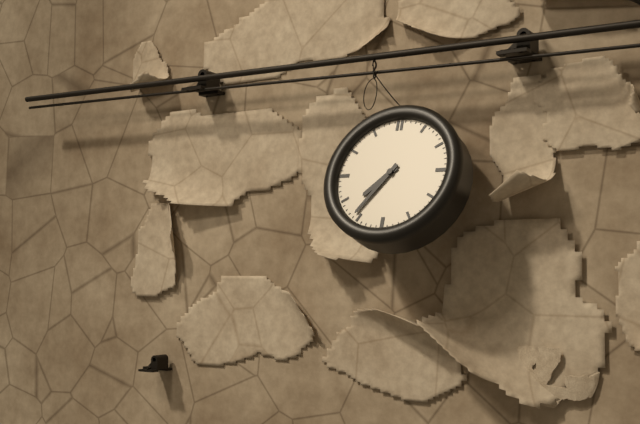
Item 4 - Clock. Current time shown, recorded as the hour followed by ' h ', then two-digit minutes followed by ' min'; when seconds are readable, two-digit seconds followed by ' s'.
7 h 36 min
